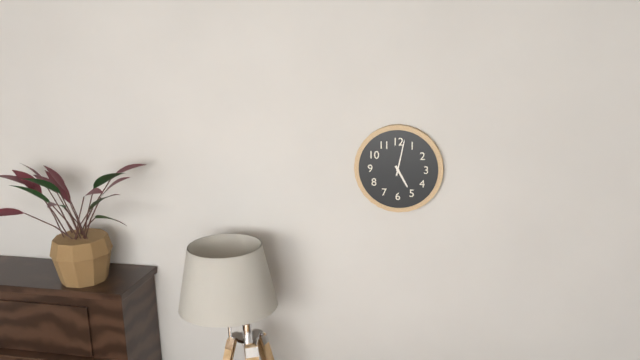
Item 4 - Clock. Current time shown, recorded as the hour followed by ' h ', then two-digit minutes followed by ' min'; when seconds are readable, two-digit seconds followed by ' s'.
5 h 02 min
